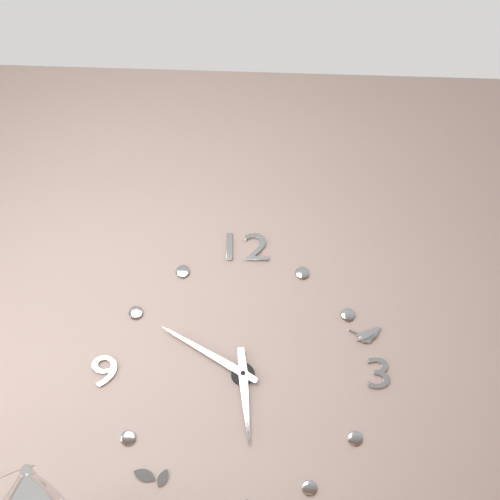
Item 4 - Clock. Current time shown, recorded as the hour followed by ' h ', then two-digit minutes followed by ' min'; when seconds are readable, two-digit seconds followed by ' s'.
5 h 50 min
